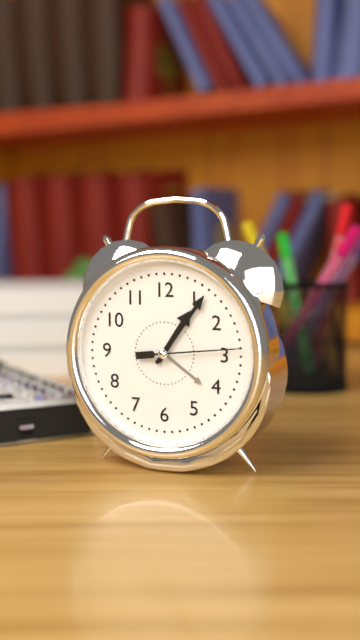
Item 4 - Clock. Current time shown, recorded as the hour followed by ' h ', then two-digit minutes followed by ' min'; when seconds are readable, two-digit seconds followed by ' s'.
1 h 06 min 14 s
